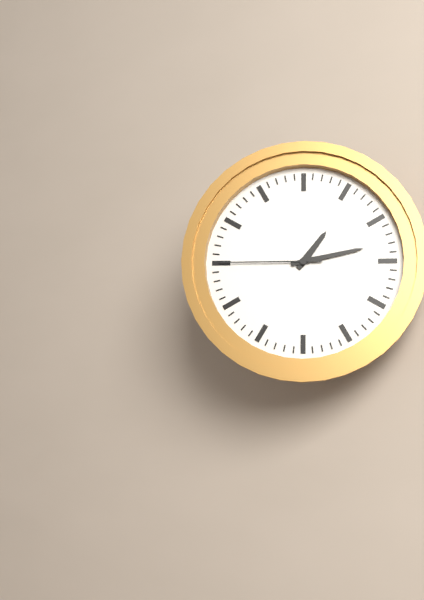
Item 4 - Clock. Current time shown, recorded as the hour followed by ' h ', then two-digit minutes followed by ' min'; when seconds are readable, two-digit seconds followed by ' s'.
1 h 13 min 45 s
